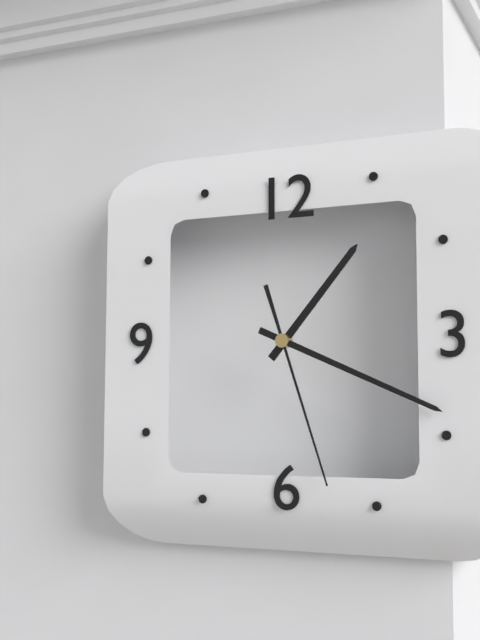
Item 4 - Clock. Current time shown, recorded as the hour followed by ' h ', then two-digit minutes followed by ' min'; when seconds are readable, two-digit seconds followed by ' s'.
1 h 19 min 27 s
